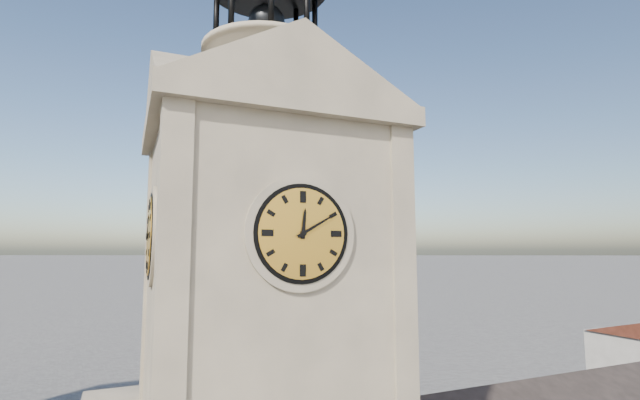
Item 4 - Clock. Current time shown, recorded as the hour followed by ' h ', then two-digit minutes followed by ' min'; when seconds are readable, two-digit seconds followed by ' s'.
12 h 10 min
